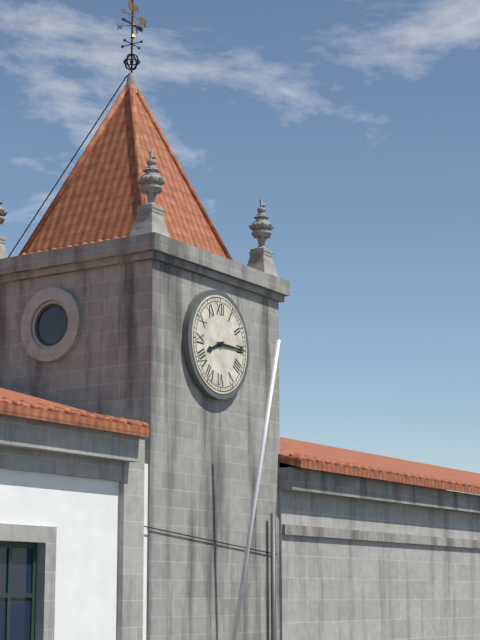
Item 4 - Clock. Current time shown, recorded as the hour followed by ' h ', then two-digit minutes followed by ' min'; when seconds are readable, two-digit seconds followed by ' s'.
8 h 15 min
